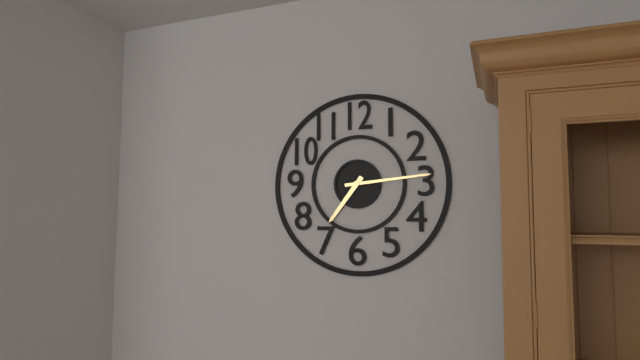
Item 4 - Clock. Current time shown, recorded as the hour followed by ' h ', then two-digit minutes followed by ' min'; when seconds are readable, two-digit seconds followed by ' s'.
7 h 14 min
